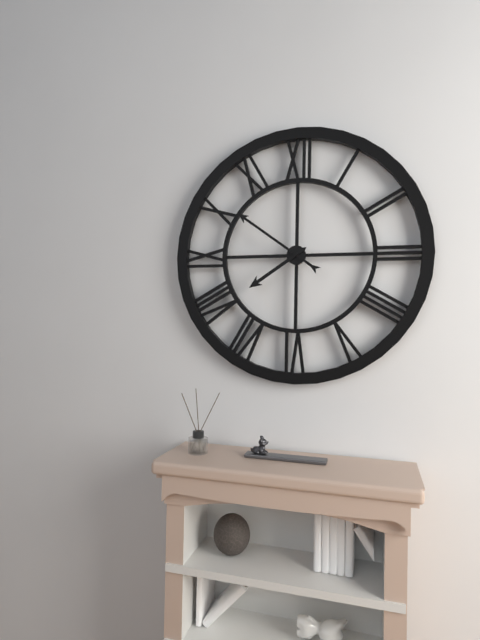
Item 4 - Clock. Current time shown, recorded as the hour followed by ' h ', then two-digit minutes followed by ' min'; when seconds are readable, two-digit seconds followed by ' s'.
7 h 51 min
